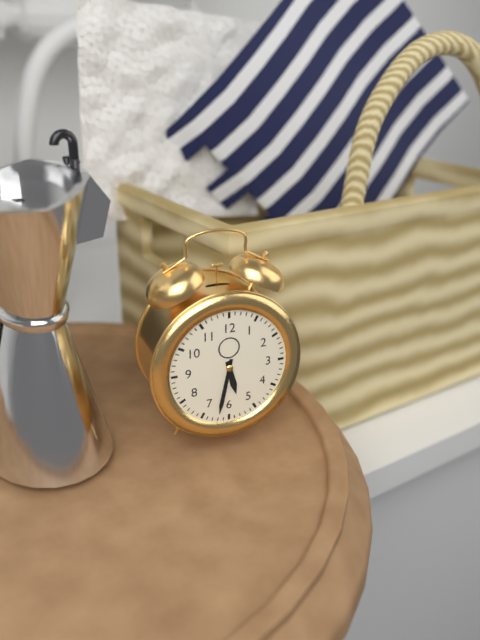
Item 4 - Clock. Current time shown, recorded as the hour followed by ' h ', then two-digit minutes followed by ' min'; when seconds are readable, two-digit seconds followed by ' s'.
5 h 32 min
